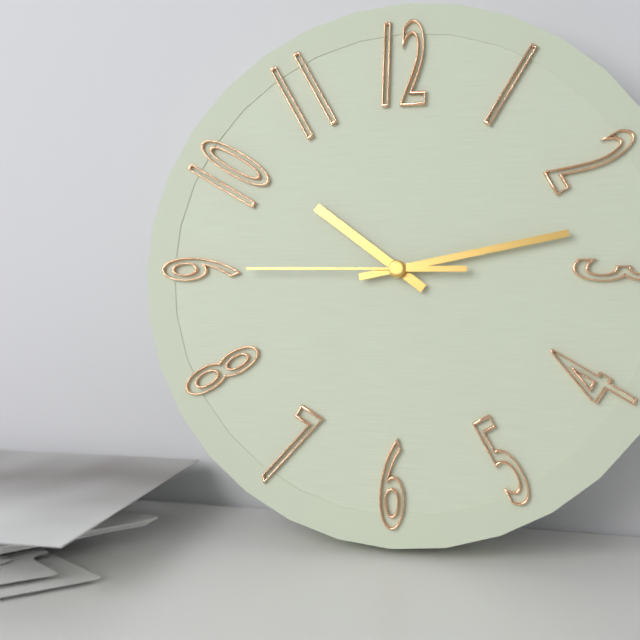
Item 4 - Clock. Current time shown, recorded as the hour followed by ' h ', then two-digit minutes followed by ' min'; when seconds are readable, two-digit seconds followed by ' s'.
10 h 13 min 45 s
